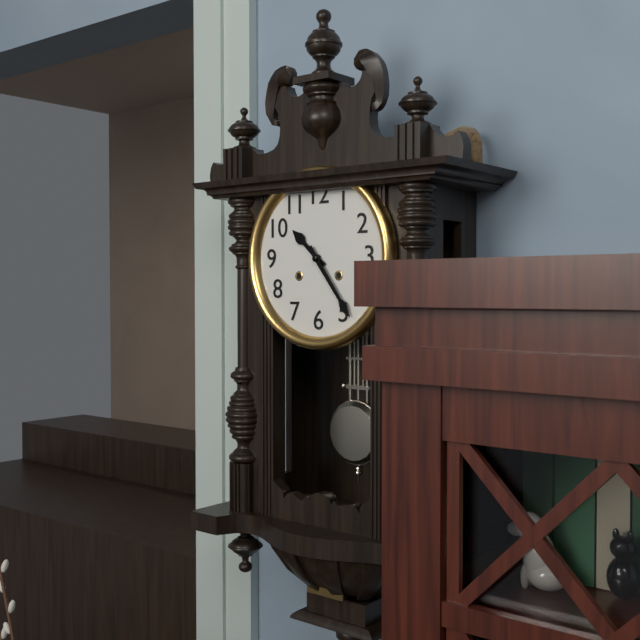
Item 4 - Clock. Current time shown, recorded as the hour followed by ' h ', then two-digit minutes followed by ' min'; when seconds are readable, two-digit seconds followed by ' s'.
10 h 24 min
